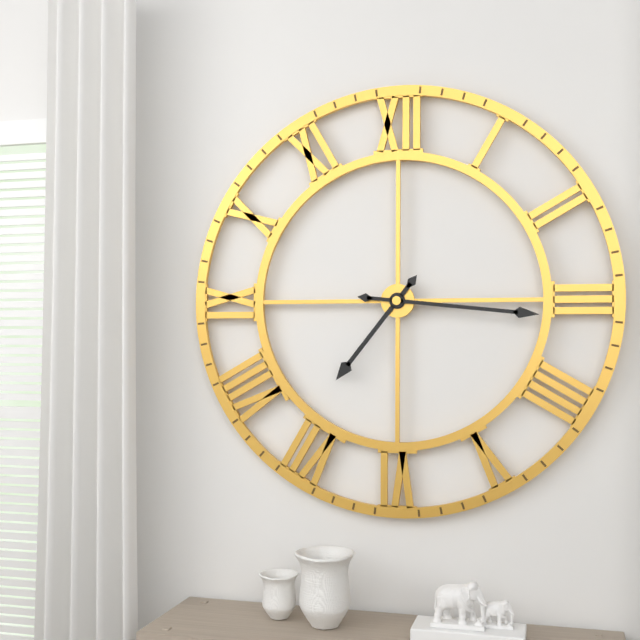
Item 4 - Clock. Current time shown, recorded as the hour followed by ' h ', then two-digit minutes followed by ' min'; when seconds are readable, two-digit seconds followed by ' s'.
7 h 16 min
